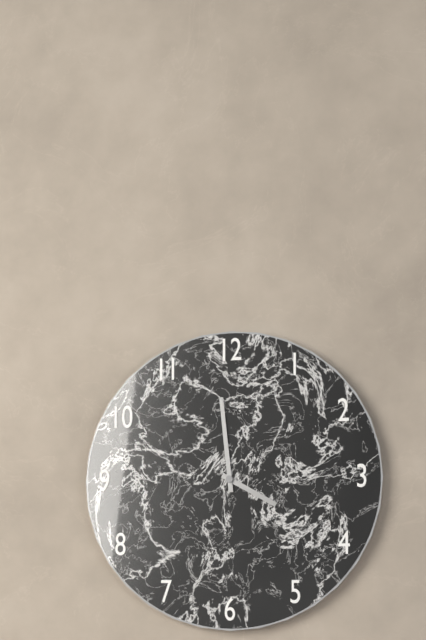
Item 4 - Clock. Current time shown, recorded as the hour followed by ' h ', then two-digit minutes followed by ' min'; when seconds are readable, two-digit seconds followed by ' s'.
3 h 59 min
